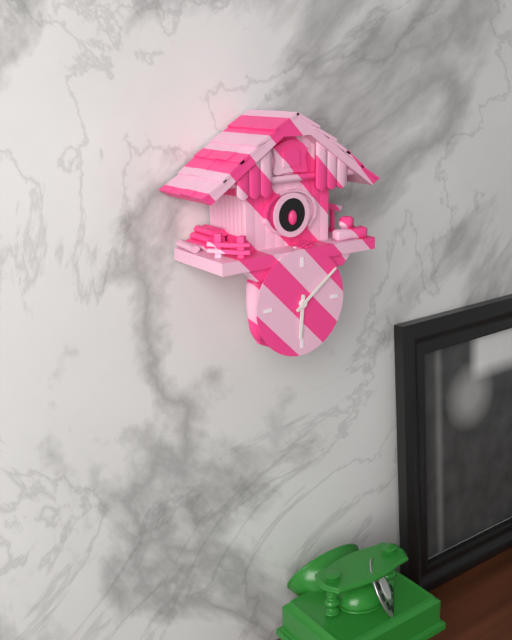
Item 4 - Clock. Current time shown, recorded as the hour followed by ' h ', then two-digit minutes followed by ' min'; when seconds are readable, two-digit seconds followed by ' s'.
6 h 09 min
